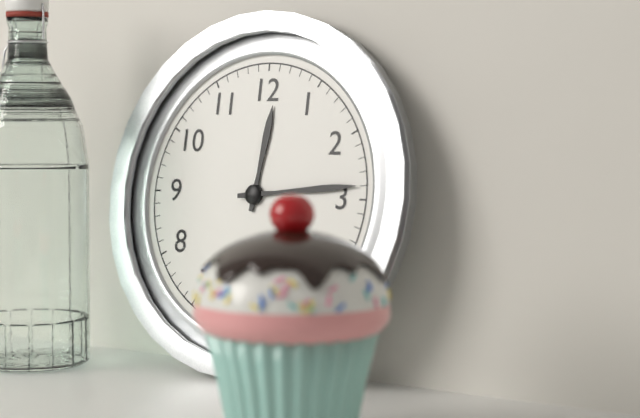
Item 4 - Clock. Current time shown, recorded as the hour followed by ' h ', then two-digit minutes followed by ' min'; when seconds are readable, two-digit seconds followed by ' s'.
12 h 14 min
